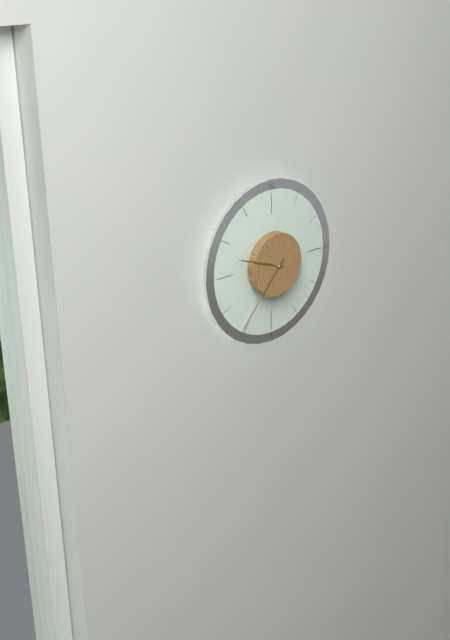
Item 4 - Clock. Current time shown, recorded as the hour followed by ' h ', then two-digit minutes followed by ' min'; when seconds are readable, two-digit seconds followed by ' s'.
9 h 37 min
